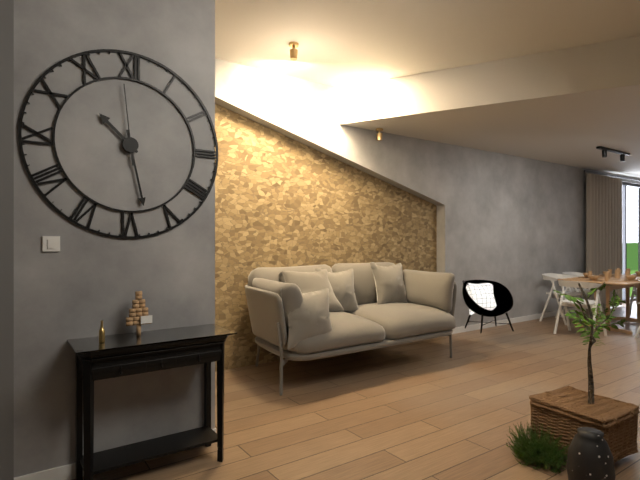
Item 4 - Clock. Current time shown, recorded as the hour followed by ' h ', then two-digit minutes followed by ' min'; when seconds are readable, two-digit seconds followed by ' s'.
10 h 28 min 59 s
